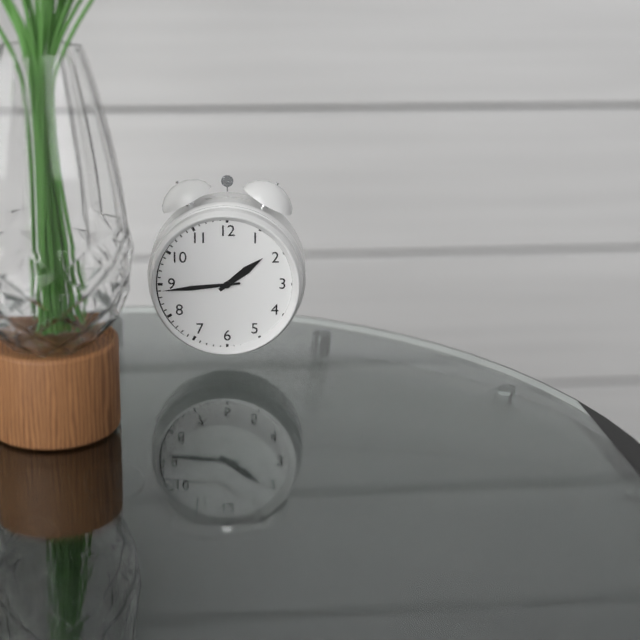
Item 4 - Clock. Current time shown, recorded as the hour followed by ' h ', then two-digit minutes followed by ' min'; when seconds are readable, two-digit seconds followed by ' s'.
1 h 44 min
